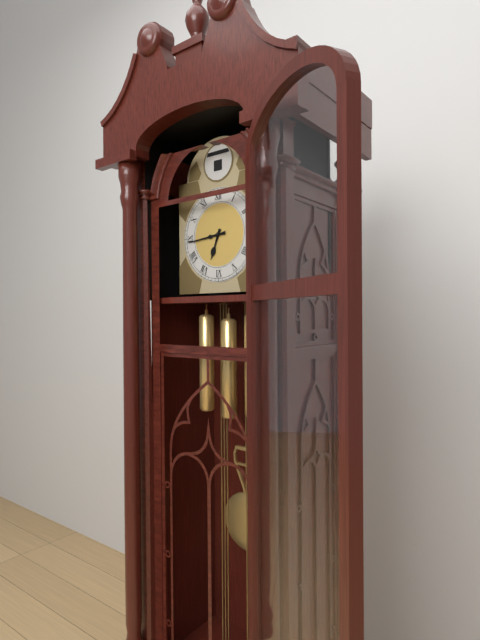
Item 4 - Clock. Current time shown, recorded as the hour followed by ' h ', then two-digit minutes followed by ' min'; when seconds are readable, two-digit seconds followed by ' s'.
6 h 44 min
